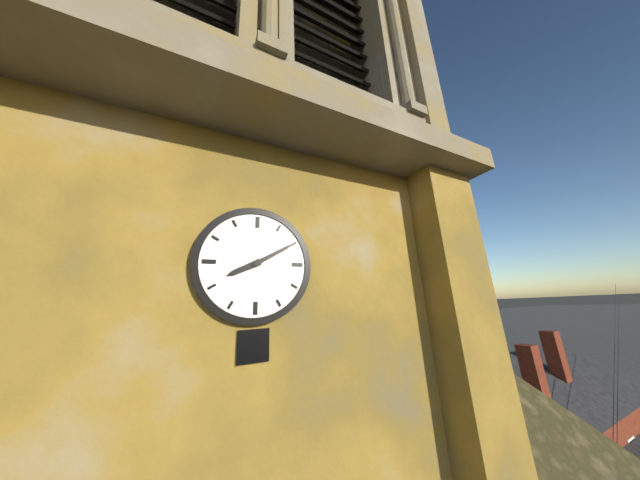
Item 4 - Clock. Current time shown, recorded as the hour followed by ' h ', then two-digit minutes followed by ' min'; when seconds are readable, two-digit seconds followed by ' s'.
8 h 10 min
